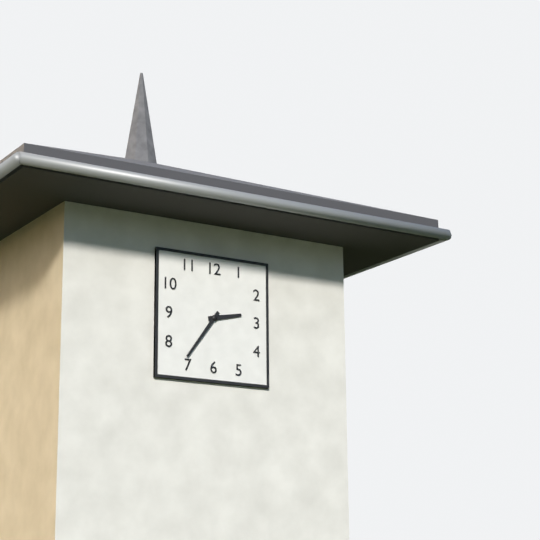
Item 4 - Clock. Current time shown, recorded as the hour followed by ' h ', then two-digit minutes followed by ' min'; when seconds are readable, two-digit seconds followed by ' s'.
2 h 36 min
